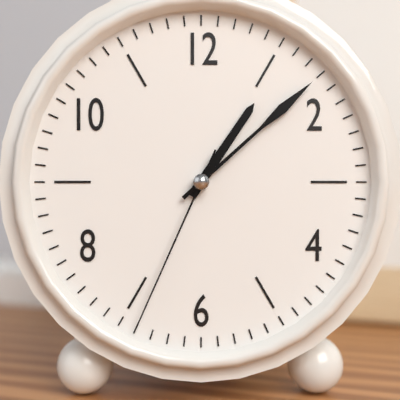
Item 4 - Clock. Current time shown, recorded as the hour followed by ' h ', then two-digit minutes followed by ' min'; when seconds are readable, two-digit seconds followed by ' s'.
1 h 08 min 34 s
